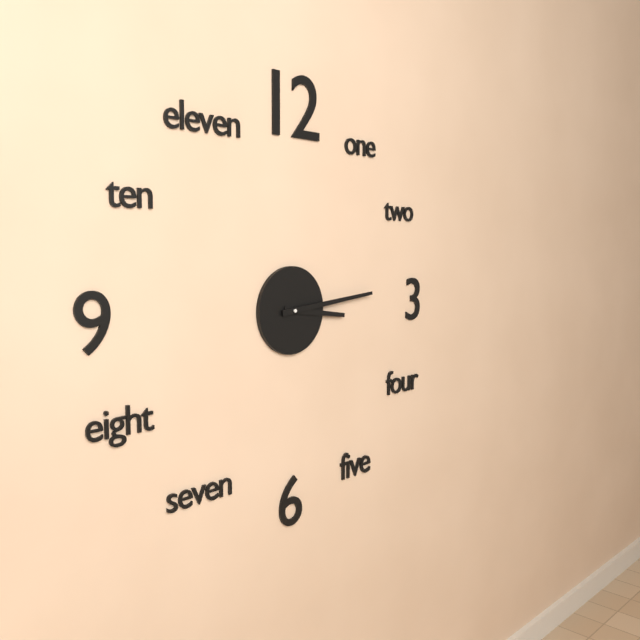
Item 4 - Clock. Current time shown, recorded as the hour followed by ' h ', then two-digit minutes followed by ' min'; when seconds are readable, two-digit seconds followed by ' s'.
3 h 14 min
